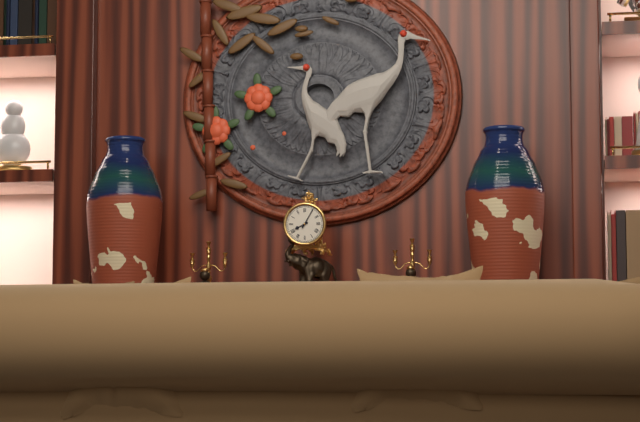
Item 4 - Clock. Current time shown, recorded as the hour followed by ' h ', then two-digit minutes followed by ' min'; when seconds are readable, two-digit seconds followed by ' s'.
8 h 05 min
